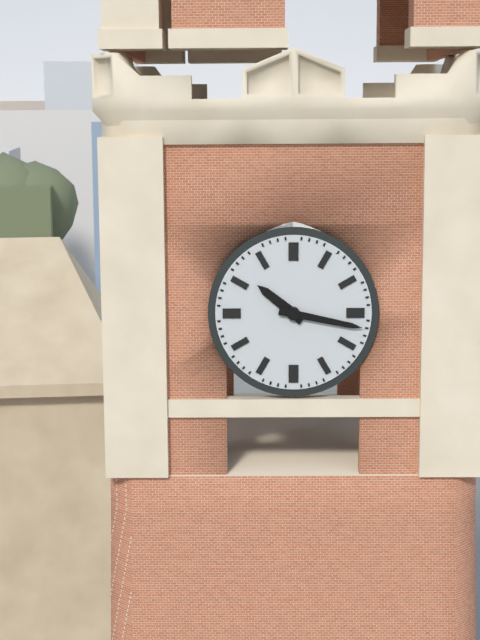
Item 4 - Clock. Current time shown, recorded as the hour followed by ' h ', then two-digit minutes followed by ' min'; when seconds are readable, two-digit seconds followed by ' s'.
10 h 17 min
